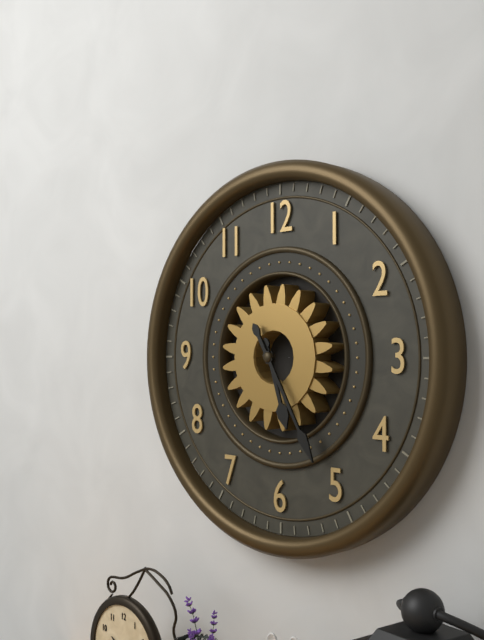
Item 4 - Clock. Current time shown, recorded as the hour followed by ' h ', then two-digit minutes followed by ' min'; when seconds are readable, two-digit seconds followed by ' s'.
5 h 25 min
